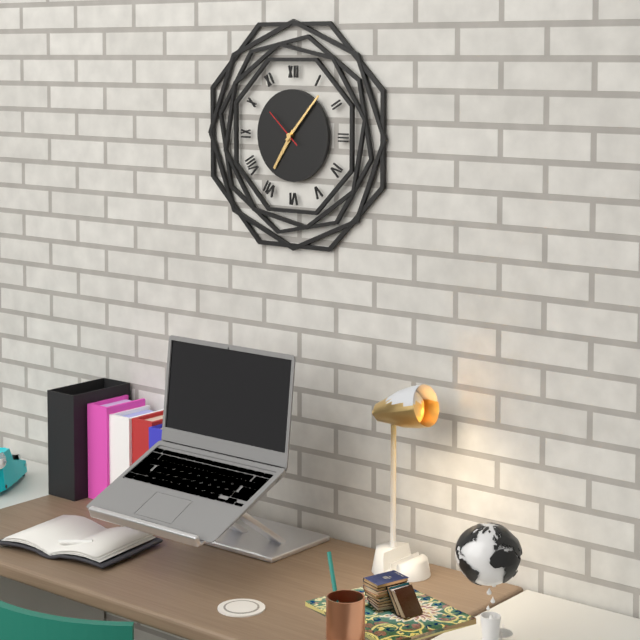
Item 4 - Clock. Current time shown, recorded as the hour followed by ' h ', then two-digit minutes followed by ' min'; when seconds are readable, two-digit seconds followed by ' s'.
7 h 07 min
